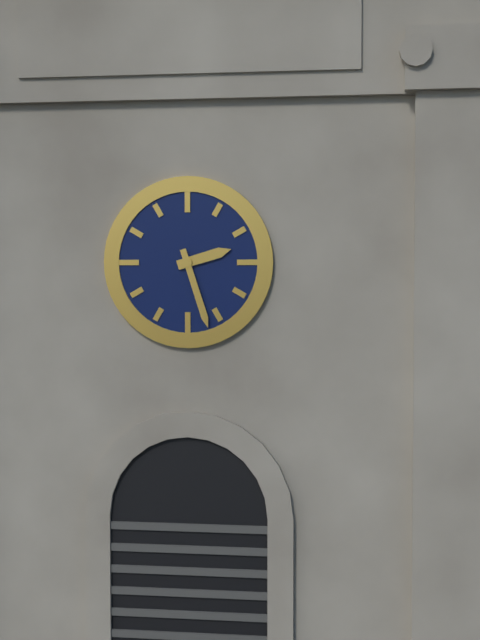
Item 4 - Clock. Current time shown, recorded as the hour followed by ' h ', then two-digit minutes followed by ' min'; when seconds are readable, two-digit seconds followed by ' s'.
2 h 27 min
